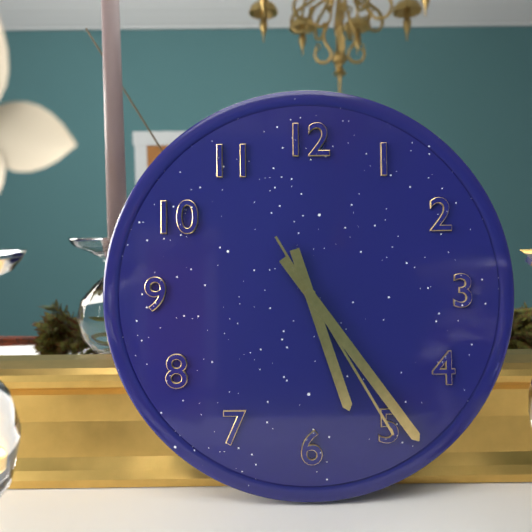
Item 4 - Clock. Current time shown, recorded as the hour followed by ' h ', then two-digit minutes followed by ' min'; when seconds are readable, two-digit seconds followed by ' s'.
5 h 24 min 25 s
